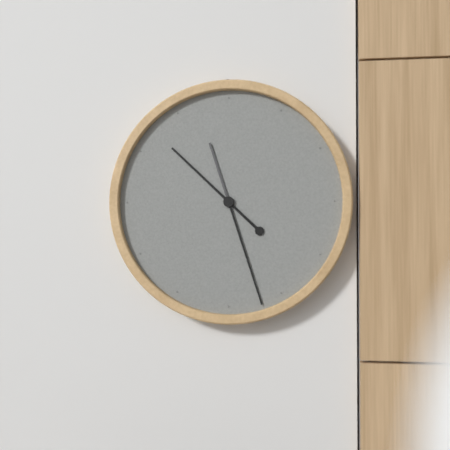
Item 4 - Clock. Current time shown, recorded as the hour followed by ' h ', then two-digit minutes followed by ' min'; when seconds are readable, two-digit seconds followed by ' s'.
10 h 27 min
